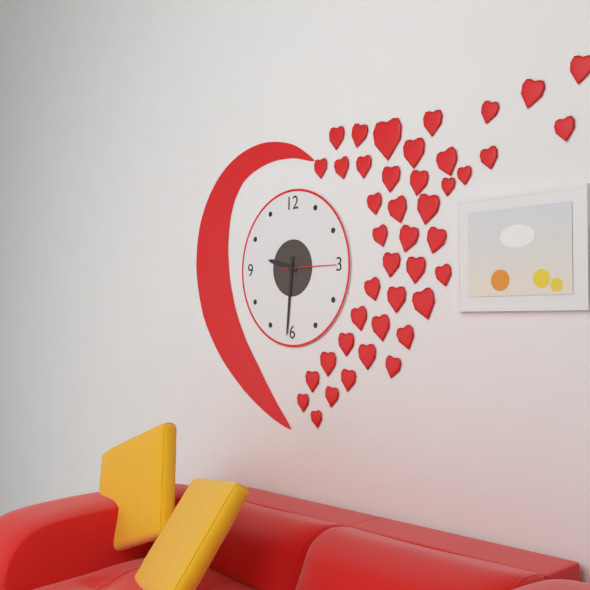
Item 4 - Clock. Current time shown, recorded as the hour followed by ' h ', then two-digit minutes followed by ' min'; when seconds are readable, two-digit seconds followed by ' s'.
9 h 31 min 15 s
